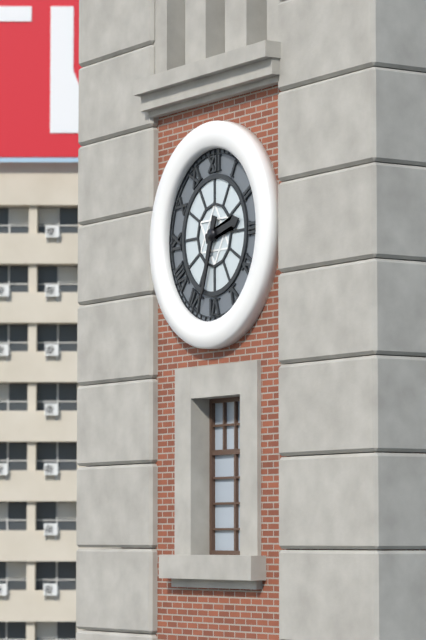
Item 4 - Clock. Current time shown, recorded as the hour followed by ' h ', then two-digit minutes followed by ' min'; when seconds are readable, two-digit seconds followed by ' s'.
2 h 33 min
